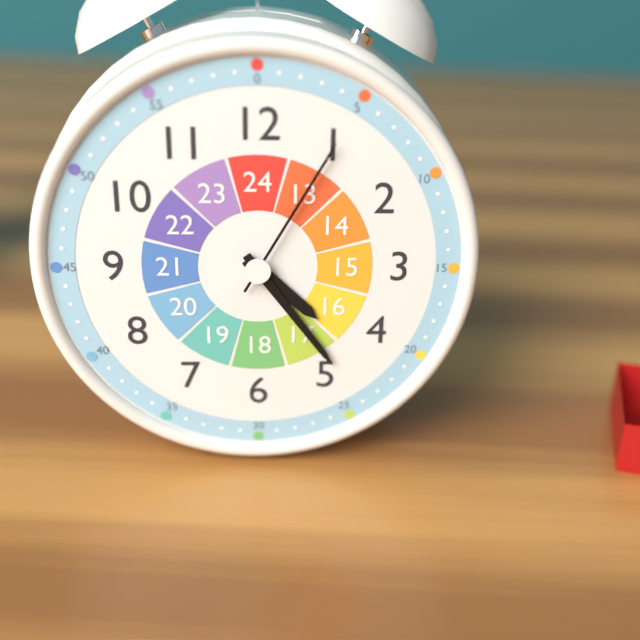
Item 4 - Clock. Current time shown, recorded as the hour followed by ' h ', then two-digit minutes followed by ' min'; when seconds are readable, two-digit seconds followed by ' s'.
4 h 24 min 05 s
